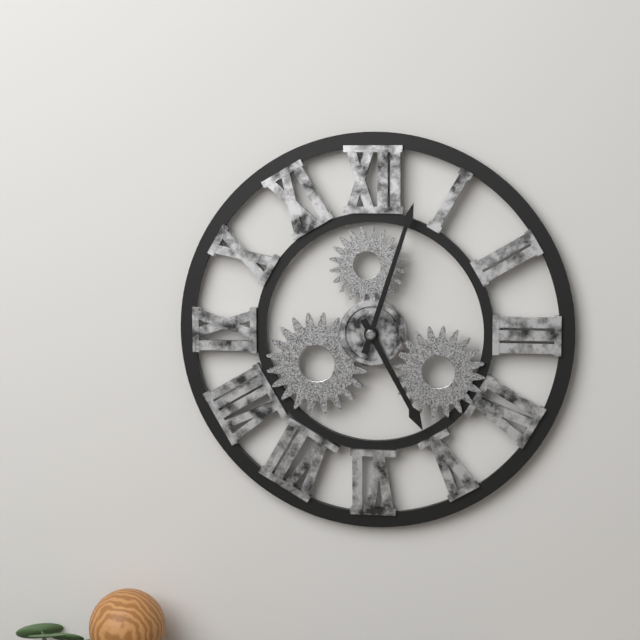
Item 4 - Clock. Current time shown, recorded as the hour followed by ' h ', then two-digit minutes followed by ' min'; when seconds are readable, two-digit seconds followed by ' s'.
5 h 03 min
